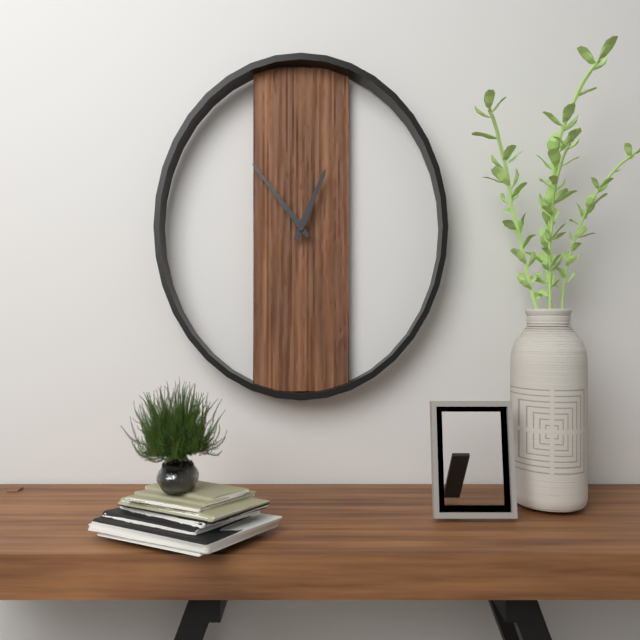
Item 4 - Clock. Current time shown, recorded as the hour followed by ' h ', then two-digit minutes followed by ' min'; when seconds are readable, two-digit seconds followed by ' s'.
12 h 53 min
